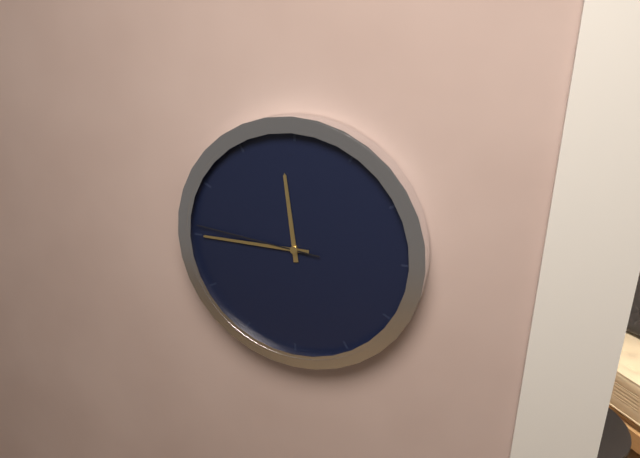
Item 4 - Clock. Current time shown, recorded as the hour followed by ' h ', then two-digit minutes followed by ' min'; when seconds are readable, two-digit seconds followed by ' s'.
11 h 45 min 46 s
